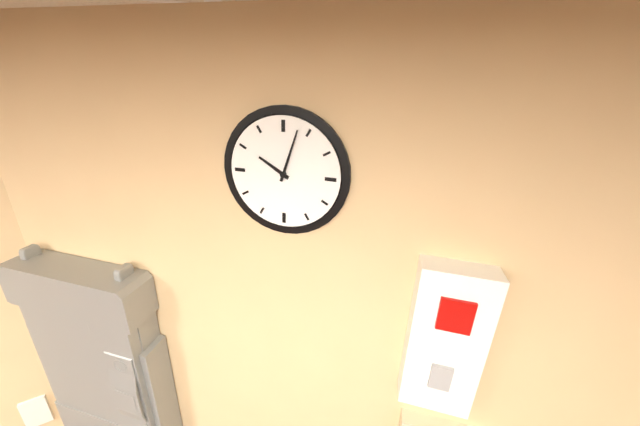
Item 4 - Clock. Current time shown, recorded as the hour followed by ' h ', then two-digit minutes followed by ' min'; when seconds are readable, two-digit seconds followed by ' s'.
10 h 03 min
